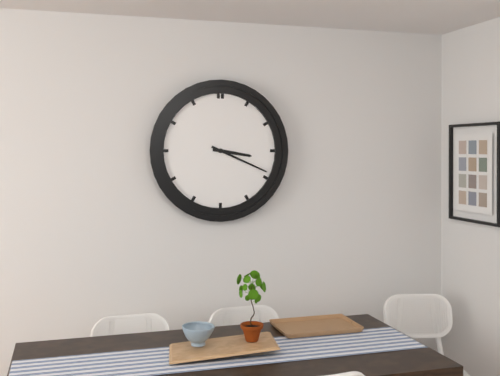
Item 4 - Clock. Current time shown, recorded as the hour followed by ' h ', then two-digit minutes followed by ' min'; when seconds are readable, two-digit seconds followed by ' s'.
3 h 19 min
